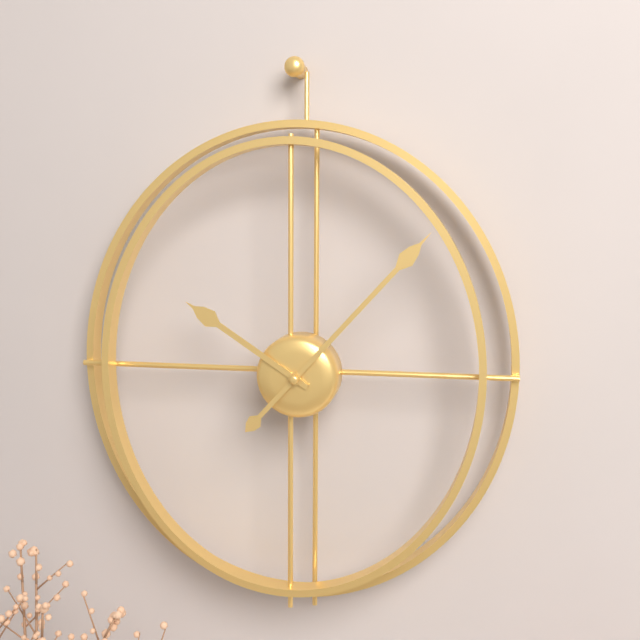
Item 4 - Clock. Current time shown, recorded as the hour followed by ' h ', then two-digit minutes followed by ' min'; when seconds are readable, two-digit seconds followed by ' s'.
10 h 07 min
